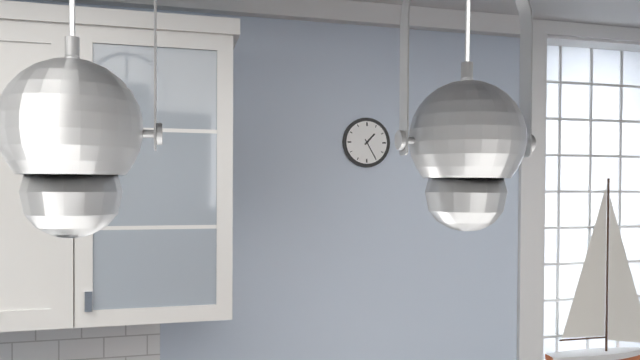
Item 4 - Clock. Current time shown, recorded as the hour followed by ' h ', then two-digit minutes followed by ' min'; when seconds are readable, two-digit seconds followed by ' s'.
1 h 25 min
